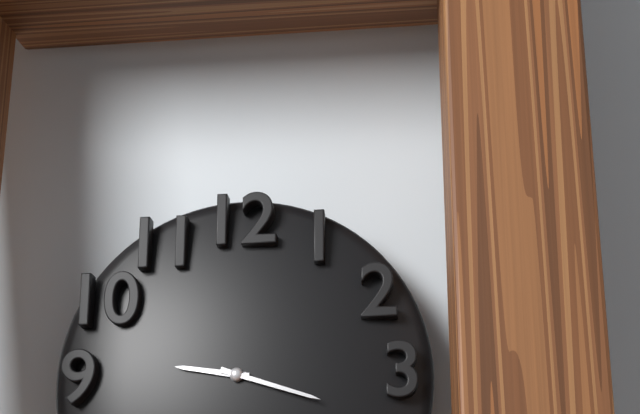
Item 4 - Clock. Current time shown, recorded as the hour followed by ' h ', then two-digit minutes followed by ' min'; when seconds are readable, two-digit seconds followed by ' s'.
9 h 18 min
